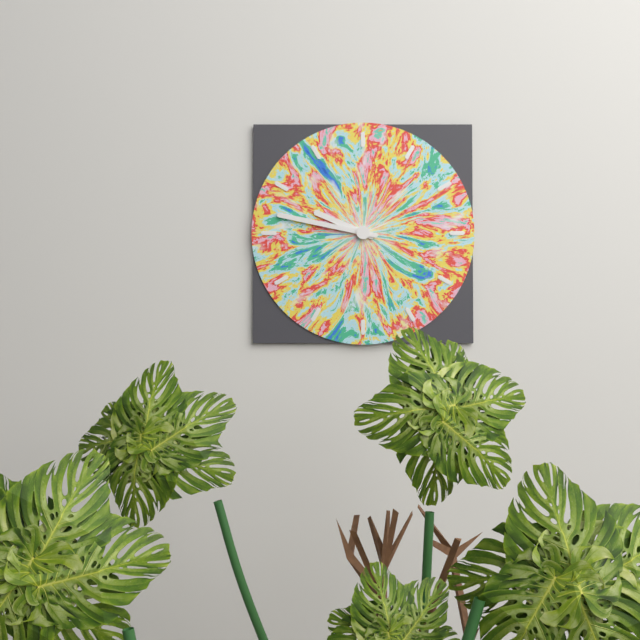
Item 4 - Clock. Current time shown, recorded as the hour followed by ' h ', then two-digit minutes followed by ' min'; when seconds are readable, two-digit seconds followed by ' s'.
9 h 47 min
